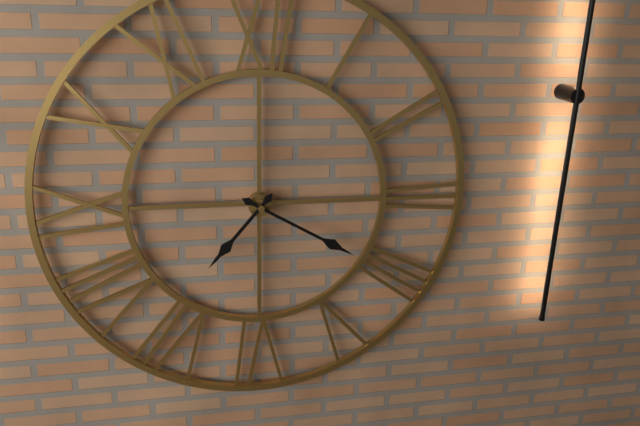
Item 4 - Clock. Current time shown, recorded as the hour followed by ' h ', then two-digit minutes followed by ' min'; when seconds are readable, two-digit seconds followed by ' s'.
7 h 20 min
